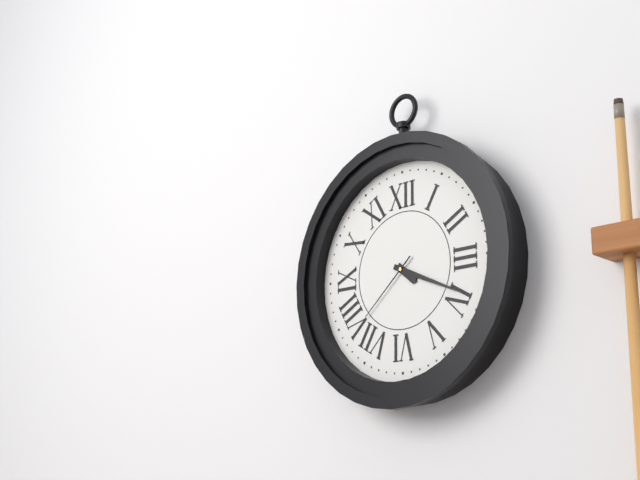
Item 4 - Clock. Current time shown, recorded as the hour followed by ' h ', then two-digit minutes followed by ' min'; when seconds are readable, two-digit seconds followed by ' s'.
4 h 19 min 38 s
